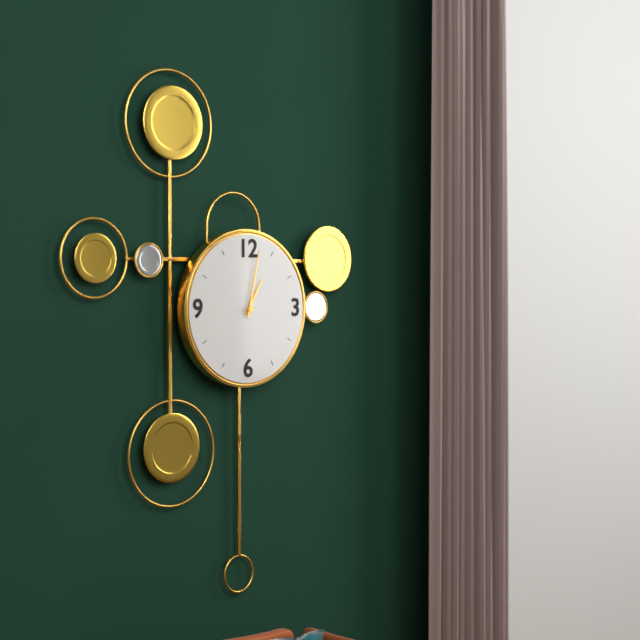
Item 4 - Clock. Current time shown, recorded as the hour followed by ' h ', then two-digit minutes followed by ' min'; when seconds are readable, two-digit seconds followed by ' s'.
1 h 02 min
